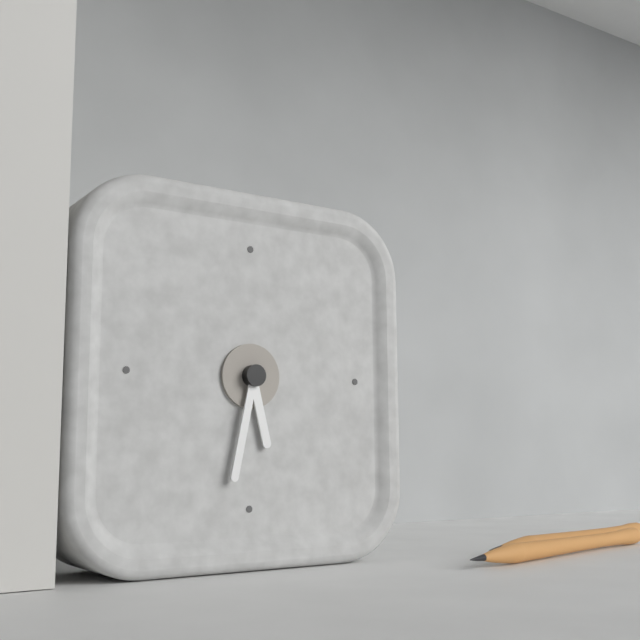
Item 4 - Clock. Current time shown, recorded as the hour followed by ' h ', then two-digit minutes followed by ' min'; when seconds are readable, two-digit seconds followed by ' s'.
5 h 32 min
